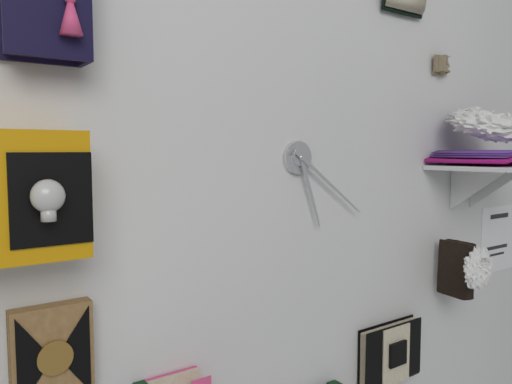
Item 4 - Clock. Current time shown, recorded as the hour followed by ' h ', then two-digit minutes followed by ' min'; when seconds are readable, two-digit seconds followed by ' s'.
5 h 21 min
